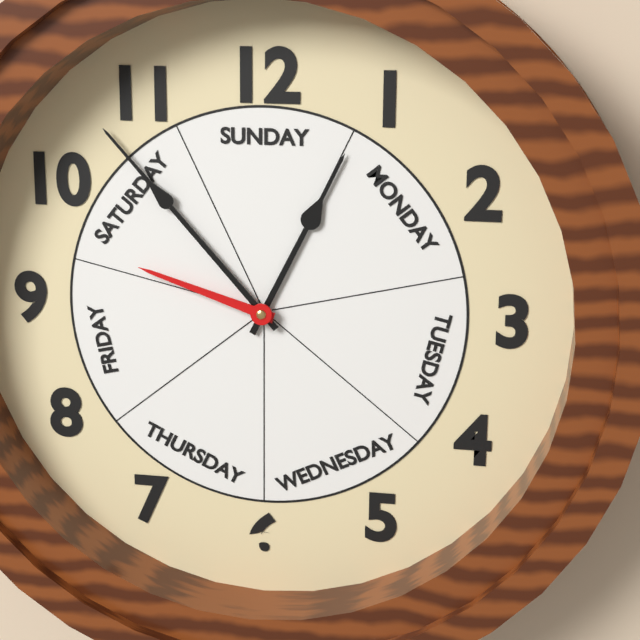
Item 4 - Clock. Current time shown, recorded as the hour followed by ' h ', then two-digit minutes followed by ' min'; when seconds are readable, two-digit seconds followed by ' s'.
12 h 53 min 48 s
